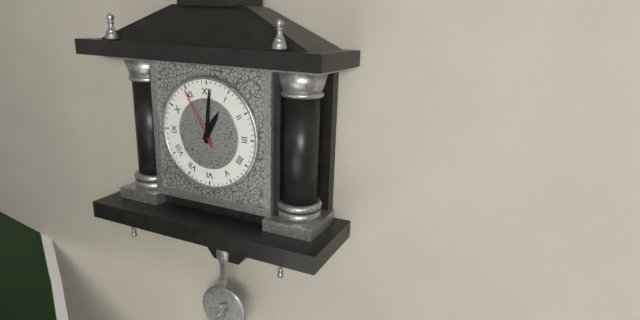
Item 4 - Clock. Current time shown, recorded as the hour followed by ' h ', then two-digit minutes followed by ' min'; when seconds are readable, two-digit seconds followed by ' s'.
1 h 01 min 55 s
